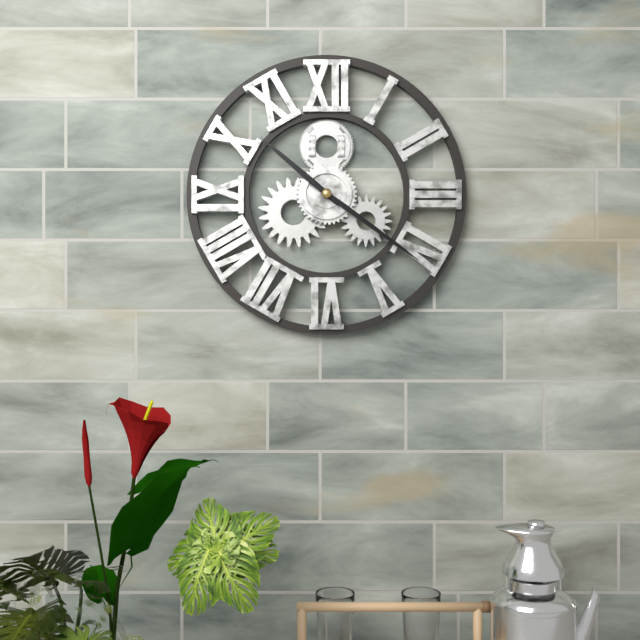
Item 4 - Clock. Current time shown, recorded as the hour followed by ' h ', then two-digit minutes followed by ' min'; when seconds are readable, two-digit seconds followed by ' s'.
10 h 21 min
